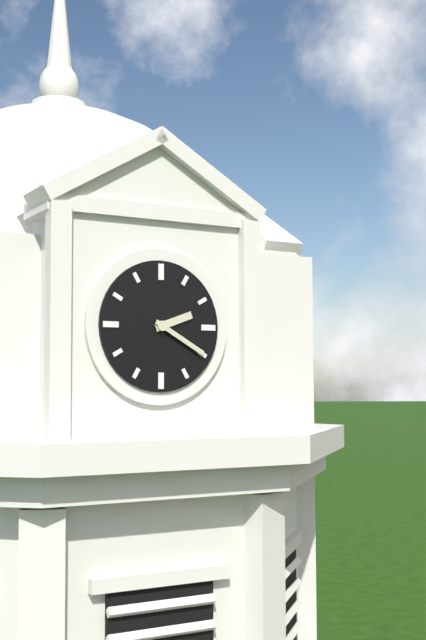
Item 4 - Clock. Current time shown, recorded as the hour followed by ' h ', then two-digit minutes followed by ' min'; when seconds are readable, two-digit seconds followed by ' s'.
2 h 20 min
